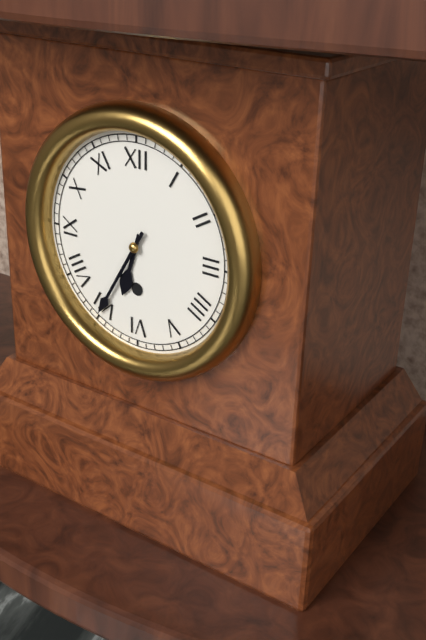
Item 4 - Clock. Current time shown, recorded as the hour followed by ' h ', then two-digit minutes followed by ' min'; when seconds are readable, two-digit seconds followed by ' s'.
6 h 35 min
